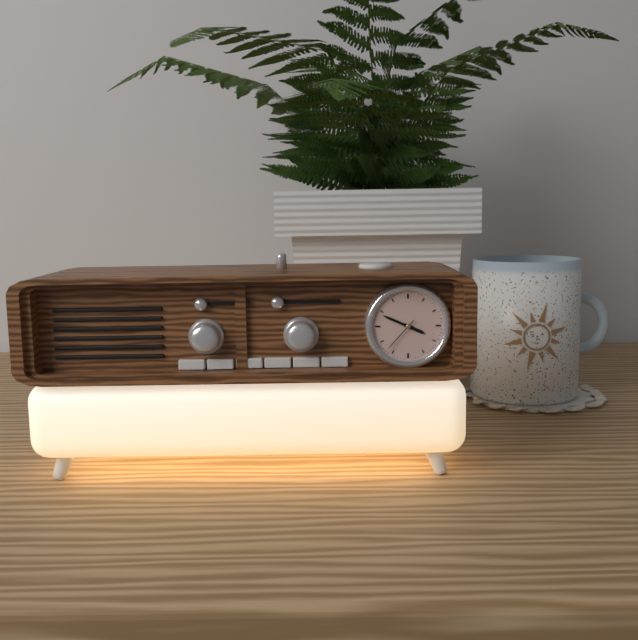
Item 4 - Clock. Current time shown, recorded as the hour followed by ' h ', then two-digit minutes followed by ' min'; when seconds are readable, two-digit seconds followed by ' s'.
3 h 49 min
